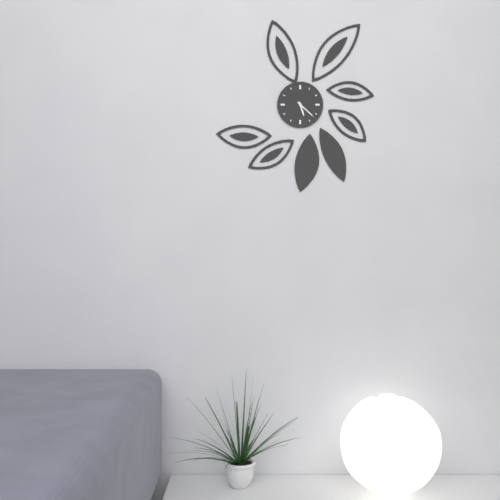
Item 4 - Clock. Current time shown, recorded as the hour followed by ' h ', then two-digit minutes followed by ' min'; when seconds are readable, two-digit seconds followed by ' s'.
5 h 22 min
